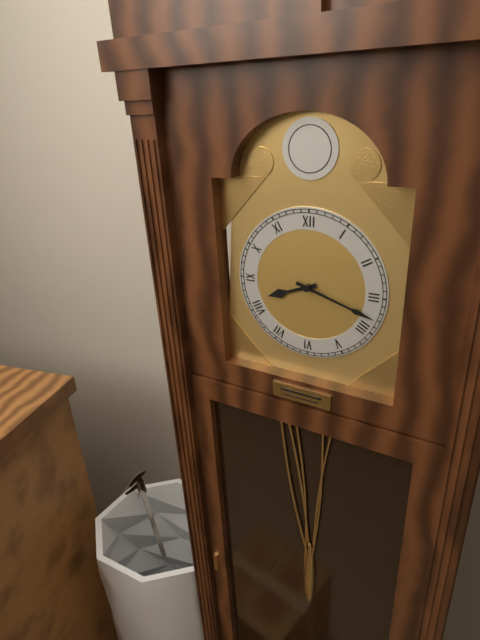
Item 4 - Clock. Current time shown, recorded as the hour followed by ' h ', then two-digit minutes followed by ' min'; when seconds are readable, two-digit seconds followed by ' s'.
8 h 18 min
